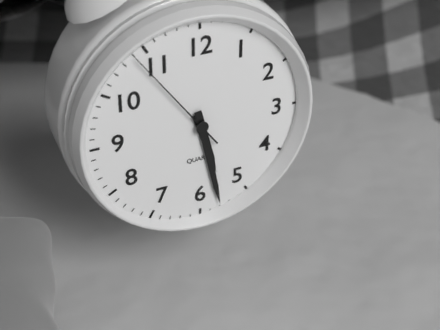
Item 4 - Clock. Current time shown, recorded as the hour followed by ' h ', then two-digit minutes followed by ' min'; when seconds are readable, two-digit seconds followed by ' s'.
5 h 28 min 54 s
